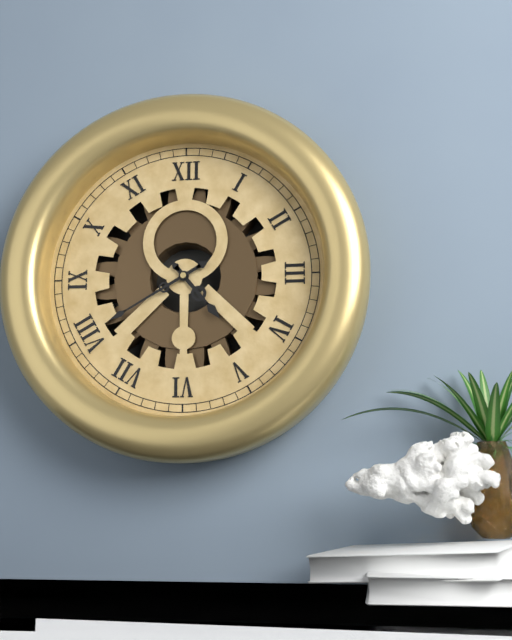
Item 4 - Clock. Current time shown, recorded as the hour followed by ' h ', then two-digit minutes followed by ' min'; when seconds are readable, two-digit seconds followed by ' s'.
4 h 40 min
